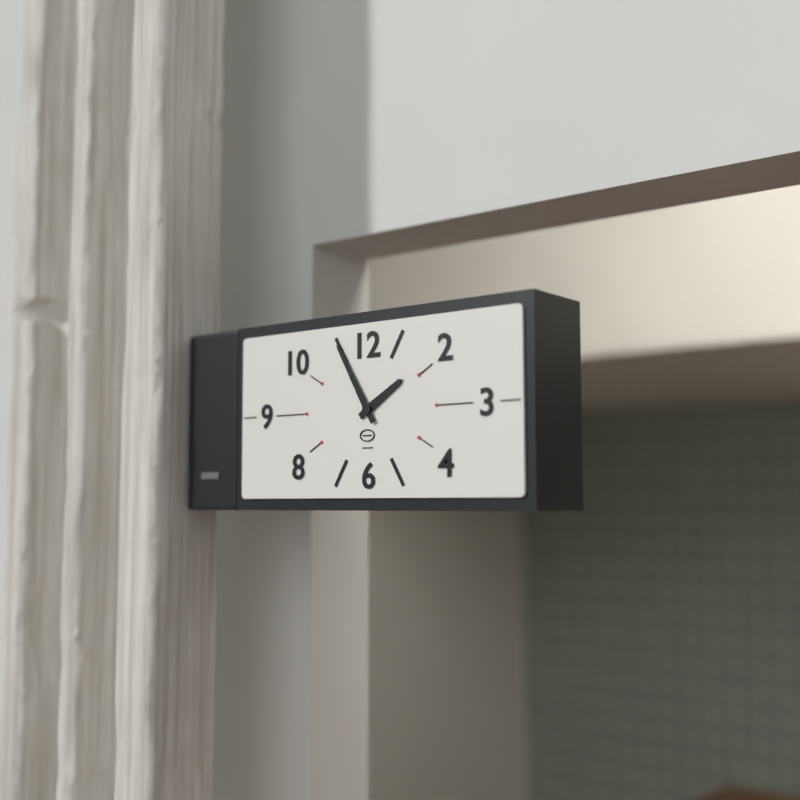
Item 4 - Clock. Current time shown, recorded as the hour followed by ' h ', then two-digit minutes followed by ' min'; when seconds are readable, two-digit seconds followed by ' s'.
1 h 55 min
